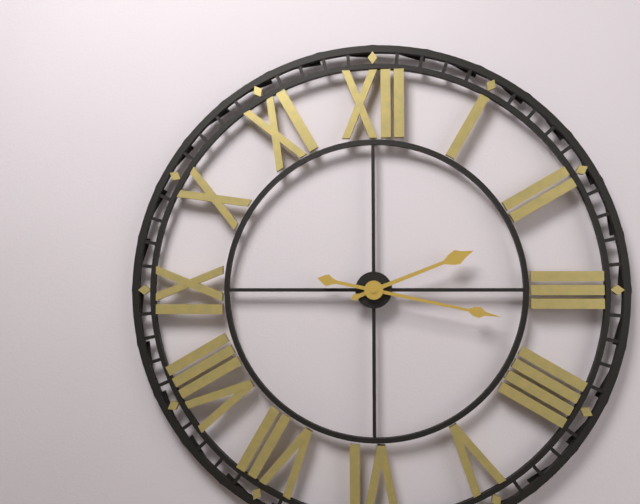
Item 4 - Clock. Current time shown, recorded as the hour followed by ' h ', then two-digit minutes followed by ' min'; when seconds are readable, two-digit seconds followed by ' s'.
2 h 17 min
